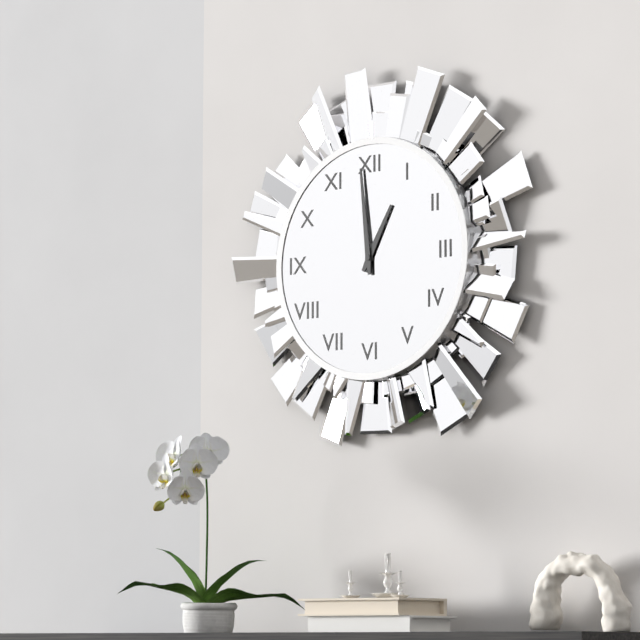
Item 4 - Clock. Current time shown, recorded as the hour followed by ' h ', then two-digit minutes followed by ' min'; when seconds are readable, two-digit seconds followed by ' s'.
12 h 59 min
